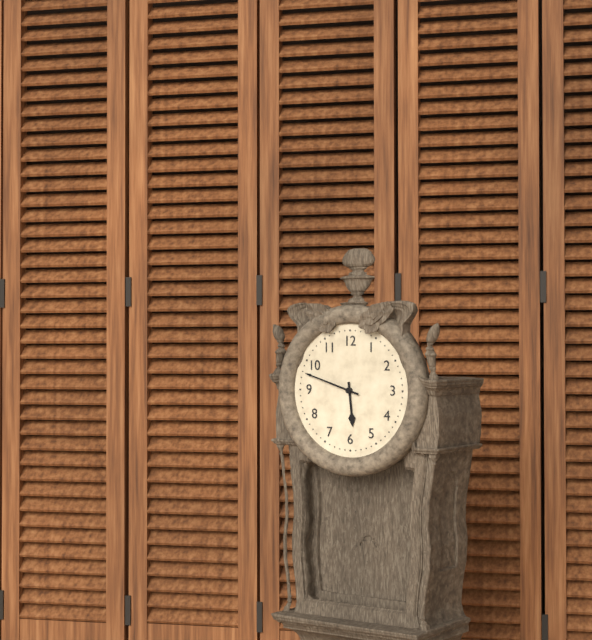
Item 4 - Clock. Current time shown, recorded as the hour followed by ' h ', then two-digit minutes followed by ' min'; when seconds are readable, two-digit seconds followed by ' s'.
5 h 48 min
